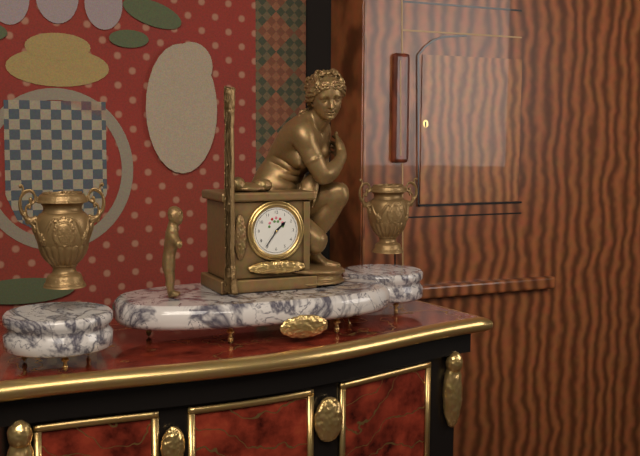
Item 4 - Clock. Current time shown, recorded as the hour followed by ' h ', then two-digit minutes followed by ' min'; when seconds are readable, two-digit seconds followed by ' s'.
1 h 36 min
